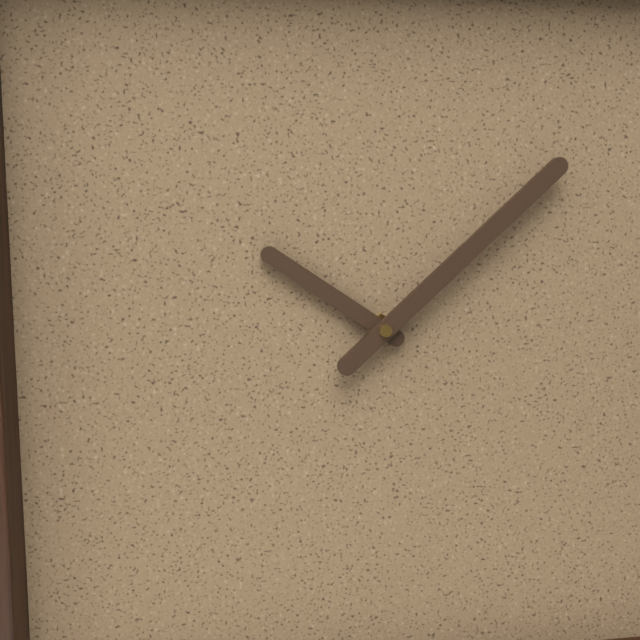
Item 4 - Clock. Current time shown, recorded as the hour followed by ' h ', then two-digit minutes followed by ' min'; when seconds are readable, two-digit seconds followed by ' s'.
10 h 08 min
